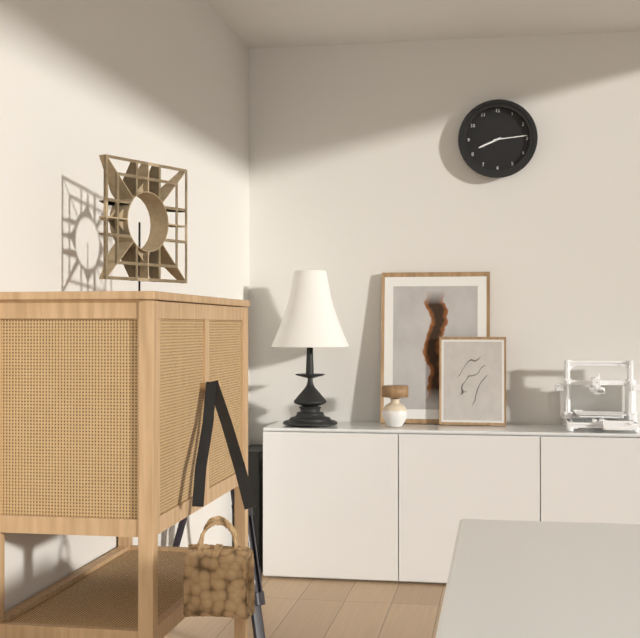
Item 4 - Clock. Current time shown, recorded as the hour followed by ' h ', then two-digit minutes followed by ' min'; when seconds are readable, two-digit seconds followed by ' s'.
8 h 14 min
